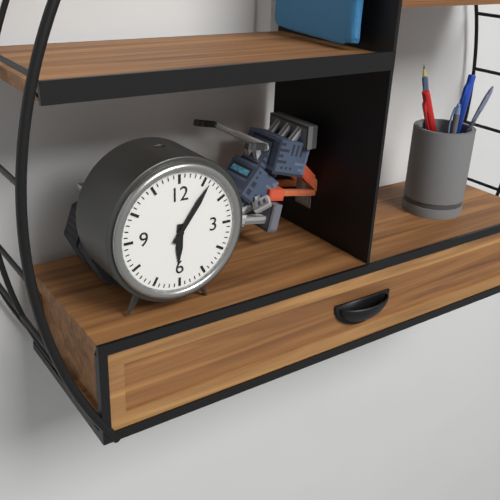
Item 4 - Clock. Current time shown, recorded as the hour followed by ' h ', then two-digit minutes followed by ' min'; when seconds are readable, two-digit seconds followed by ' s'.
6 h 06 min
